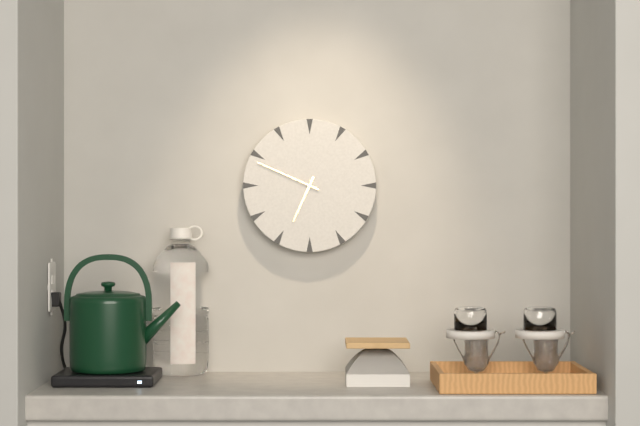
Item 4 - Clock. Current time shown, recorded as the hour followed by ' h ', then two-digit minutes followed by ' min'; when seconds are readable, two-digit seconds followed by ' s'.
6 h 49 min
